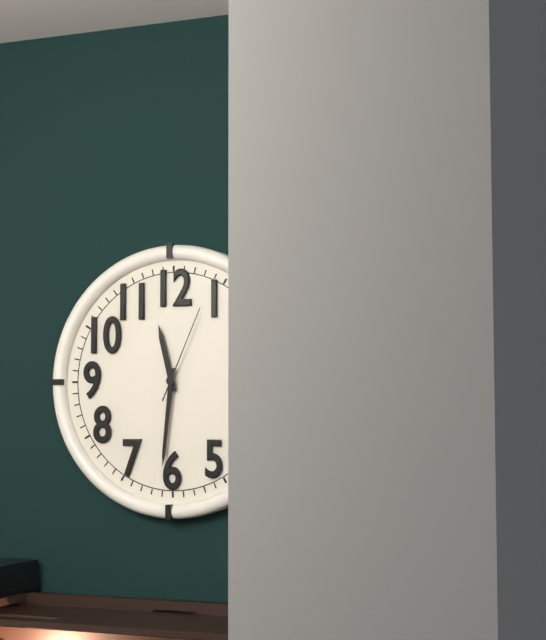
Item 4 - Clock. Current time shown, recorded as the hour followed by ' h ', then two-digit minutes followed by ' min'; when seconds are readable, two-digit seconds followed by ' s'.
11 h 31 min 04 s
